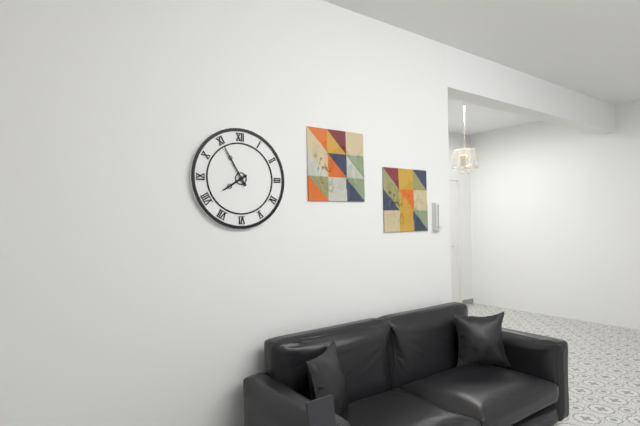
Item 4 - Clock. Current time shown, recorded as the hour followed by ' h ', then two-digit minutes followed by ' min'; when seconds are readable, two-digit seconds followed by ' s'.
7 h 55 min
